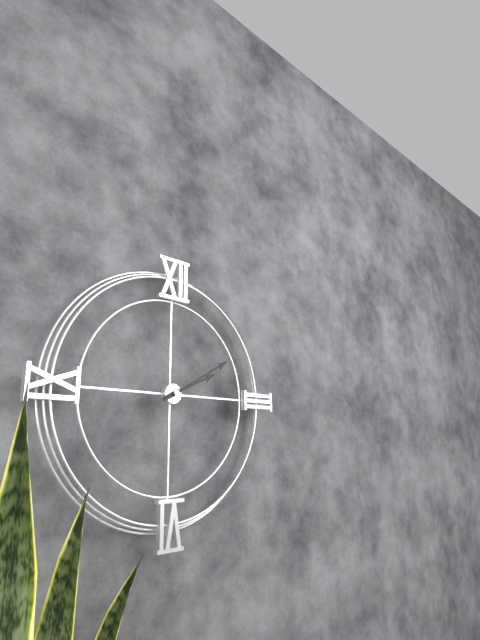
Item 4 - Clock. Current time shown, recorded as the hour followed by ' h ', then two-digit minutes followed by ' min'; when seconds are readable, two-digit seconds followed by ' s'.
2 h 10 min
